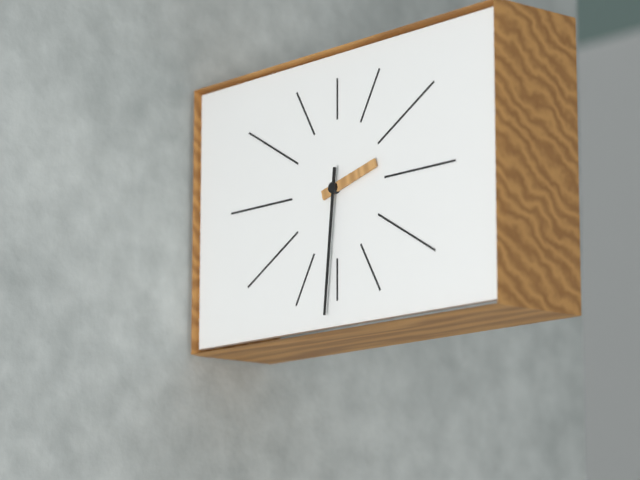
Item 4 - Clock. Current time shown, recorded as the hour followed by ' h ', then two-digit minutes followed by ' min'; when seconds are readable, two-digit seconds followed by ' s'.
2 h 31 min
